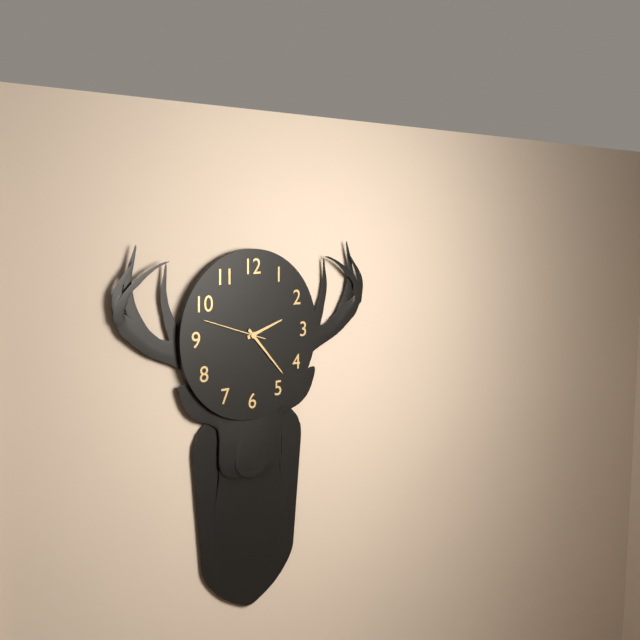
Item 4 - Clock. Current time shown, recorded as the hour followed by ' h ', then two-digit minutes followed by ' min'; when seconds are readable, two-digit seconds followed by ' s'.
2 h 23 min 48 s
